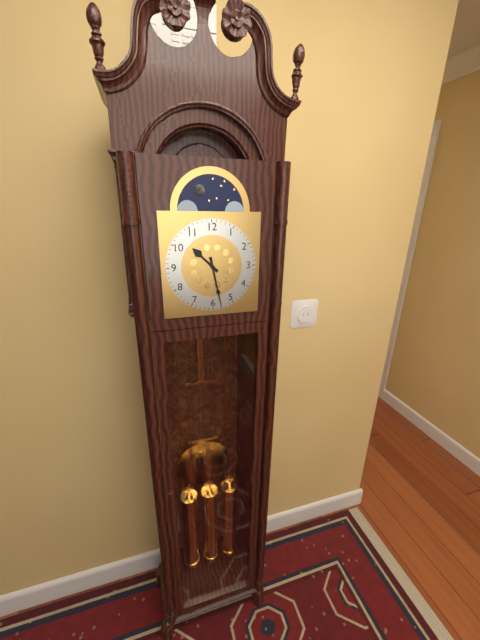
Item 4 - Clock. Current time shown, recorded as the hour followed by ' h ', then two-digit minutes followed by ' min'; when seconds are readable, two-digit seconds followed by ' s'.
10 h 28 min
